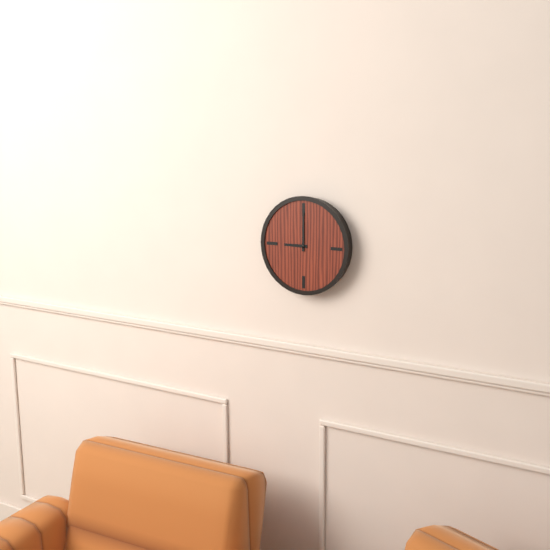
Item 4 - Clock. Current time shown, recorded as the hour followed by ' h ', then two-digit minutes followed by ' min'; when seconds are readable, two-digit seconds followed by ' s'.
9 h 00 min
